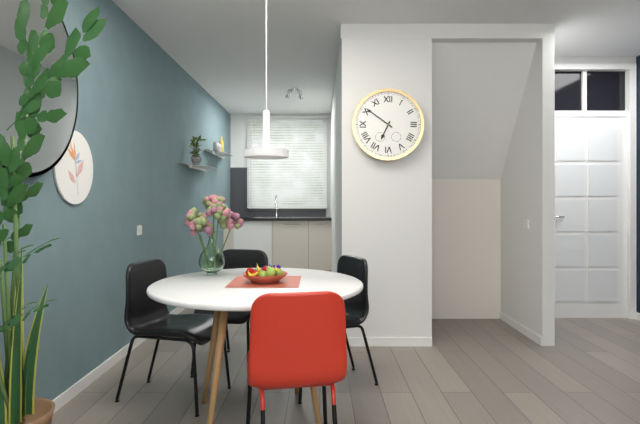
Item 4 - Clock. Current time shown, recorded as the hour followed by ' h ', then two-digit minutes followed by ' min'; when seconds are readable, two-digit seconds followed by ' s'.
6 h 51 min
